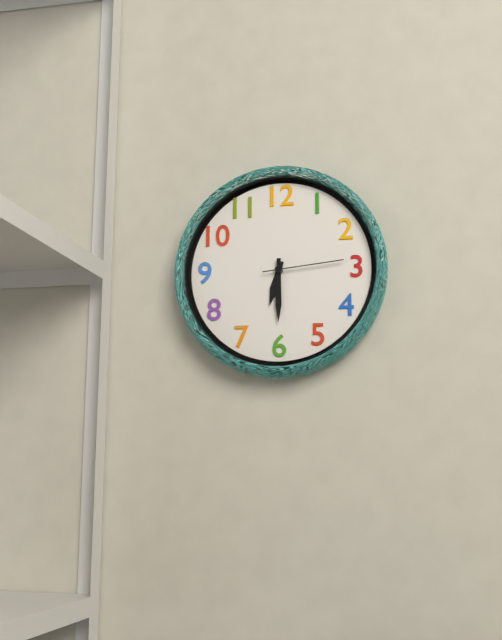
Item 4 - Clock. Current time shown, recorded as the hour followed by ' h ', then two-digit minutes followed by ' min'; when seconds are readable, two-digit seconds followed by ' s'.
6 h 30 min 14 s
